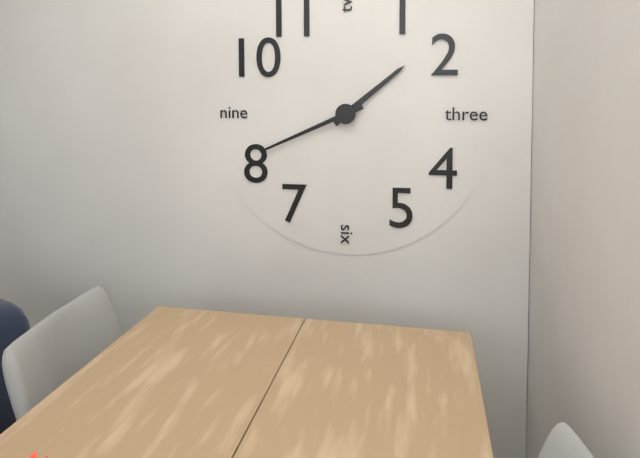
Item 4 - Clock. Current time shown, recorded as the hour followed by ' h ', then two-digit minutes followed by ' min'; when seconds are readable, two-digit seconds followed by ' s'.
1 h 41 min
